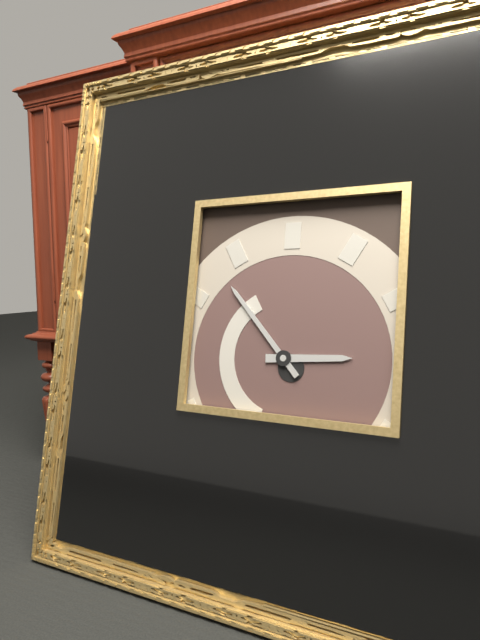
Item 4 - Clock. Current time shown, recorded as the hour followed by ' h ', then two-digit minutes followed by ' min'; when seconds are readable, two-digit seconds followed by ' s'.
2 h 53 min
